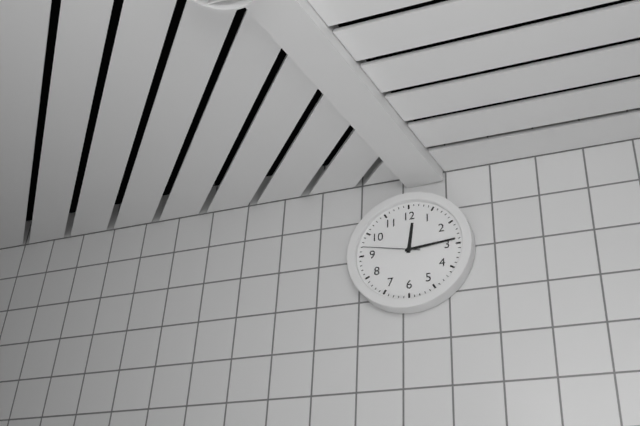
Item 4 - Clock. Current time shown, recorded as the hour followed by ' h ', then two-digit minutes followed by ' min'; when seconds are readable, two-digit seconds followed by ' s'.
12 h 14 min 47 s
